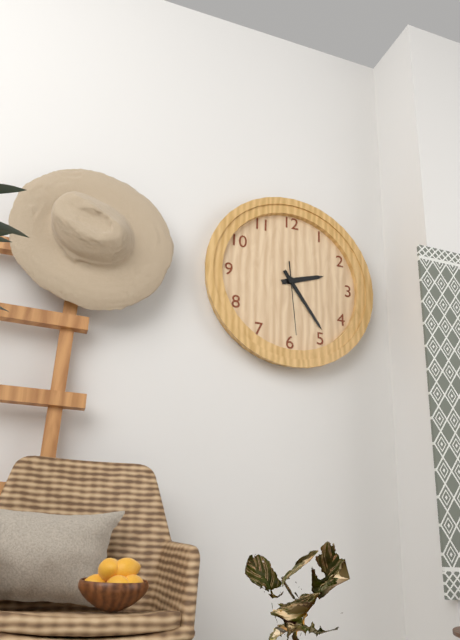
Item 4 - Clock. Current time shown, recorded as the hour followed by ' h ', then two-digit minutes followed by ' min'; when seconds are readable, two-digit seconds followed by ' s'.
2 h 24 min 29 s
